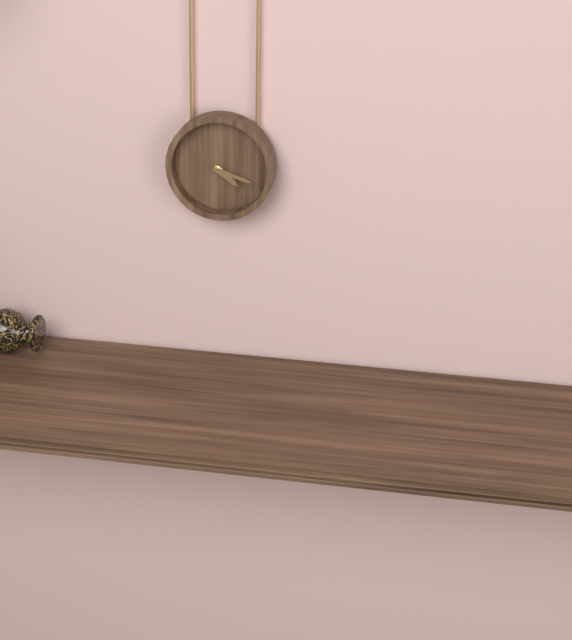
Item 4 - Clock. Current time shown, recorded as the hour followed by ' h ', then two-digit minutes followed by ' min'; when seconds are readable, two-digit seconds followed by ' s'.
4 h 18 min
